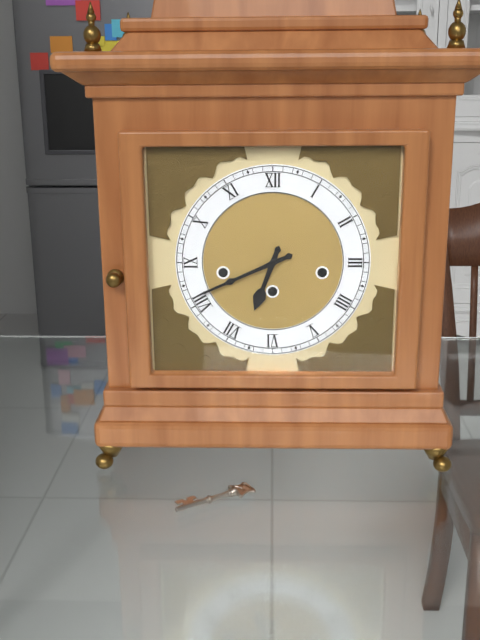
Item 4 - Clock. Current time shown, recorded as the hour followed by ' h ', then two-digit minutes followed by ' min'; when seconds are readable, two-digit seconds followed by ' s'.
6 h 41 min
